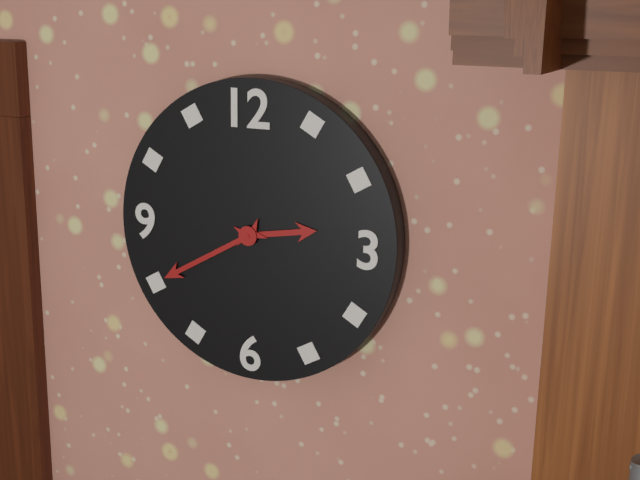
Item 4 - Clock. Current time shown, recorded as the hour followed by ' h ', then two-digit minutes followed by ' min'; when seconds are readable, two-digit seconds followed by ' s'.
2 h 40 min
